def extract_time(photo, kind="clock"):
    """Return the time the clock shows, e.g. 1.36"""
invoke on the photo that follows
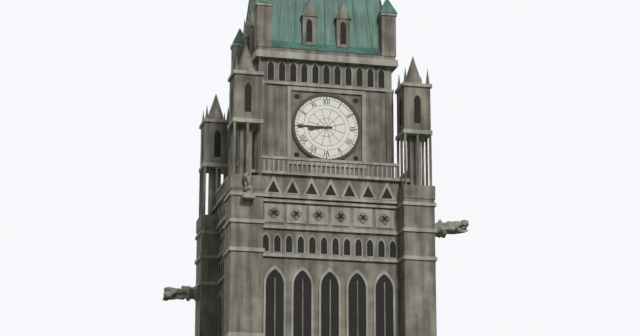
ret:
8.45
